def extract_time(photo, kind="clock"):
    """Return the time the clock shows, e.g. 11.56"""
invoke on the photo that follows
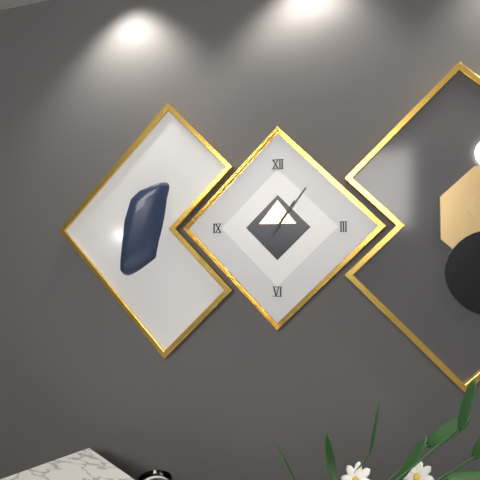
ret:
1.06
